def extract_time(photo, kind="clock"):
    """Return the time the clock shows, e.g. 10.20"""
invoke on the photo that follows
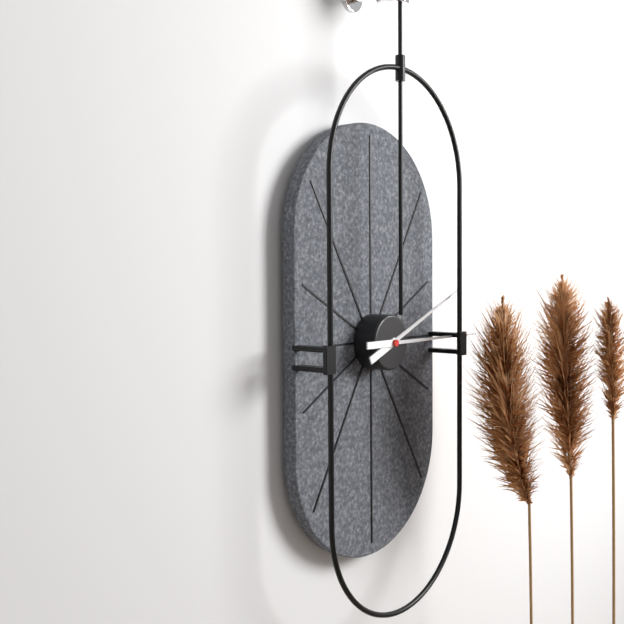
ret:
2.15
